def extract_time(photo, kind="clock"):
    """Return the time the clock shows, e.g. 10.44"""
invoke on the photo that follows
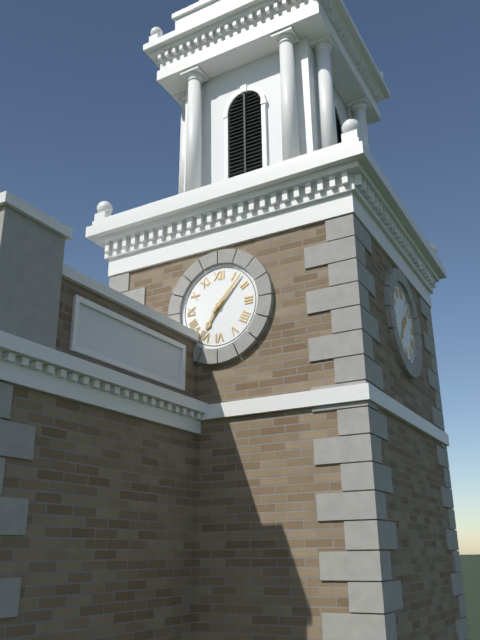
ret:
7.07
